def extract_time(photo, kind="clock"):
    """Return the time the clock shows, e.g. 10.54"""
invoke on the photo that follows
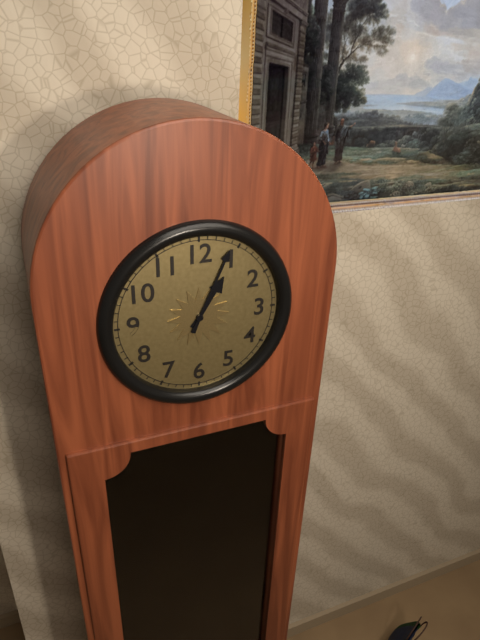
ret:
1.04
